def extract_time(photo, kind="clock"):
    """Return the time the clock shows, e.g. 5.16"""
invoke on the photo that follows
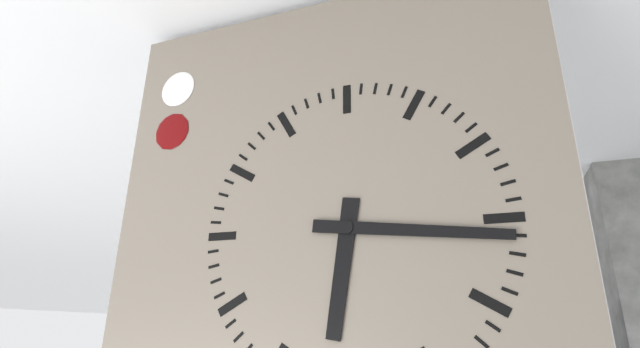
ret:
6.16
